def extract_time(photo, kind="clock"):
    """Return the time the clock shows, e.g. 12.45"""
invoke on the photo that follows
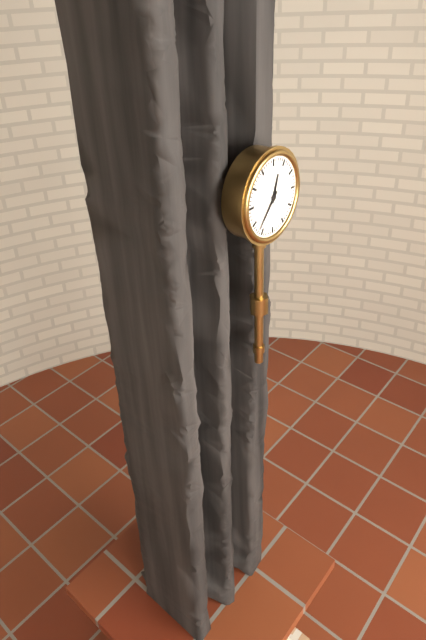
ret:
12.37
